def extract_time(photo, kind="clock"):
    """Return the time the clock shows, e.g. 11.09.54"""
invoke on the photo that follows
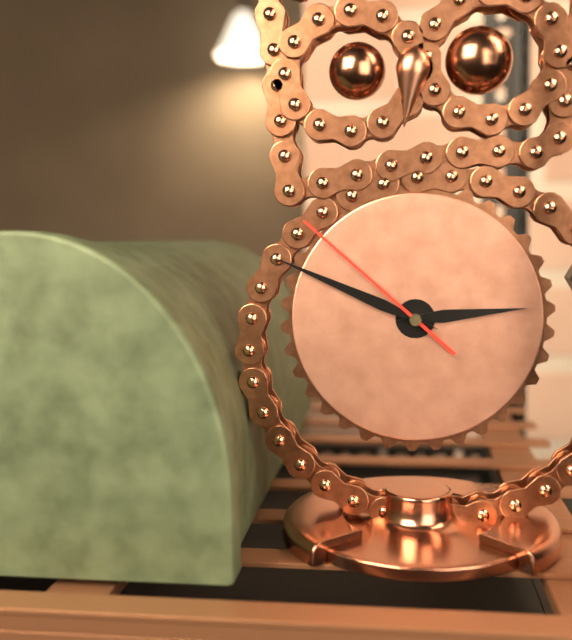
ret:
2.49.52
